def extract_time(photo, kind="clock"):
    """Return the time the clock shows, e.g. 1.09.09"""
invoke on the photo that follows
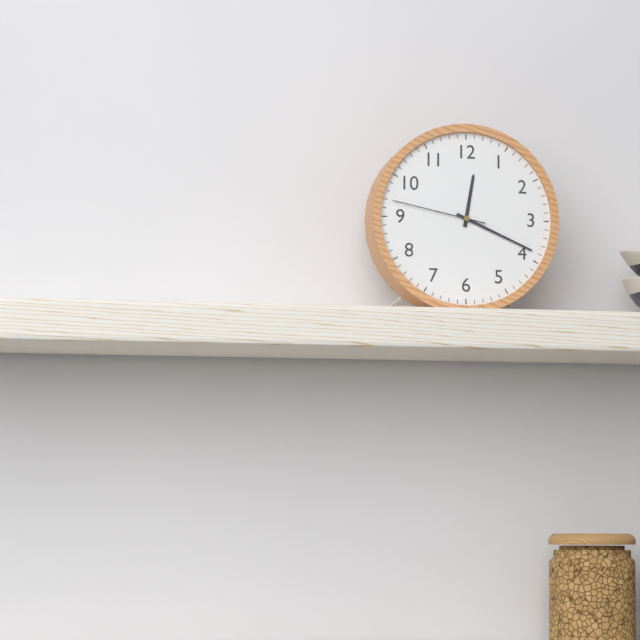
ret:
12.19.47
